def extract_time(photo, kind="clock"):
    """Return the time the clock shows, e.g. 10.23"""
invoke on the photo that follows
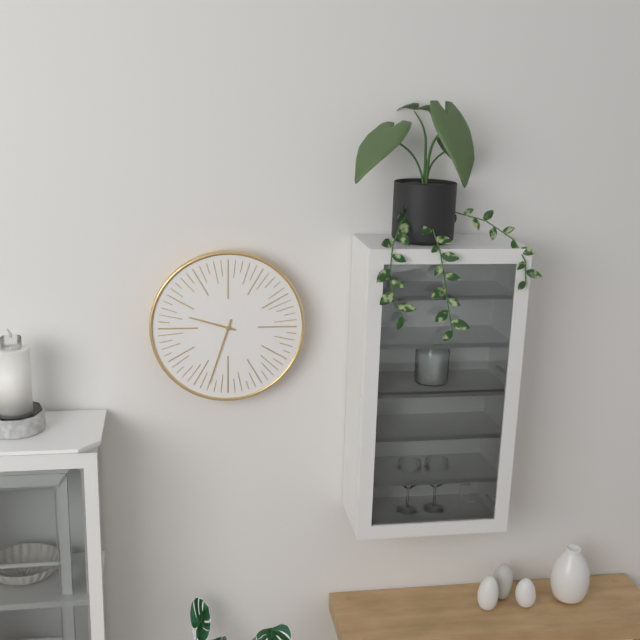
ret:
9.33
